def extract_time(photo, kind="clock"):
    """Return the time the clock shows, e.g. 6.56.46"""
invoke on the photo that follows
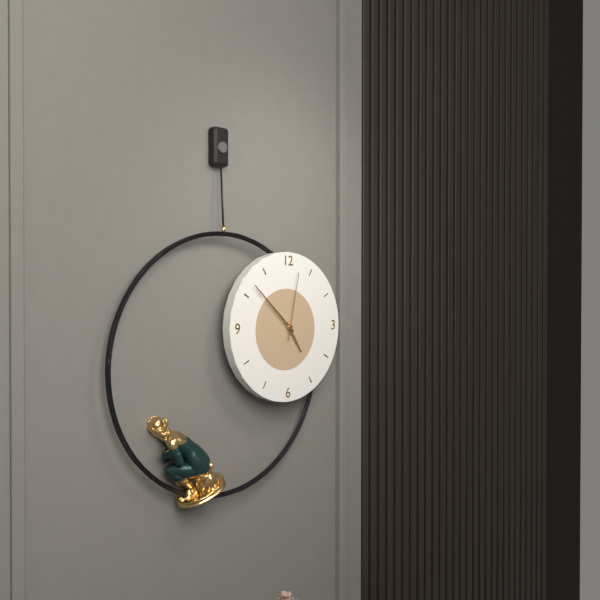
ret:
4.52.02
